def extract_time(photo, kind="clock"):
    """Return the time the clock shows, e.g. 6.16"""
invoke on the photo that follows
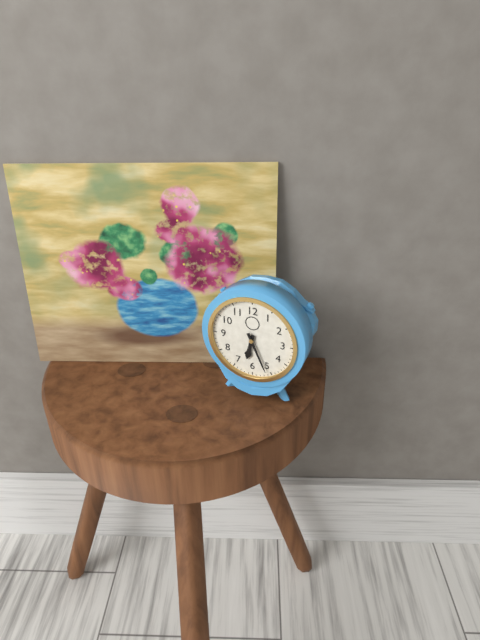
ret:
6.26
